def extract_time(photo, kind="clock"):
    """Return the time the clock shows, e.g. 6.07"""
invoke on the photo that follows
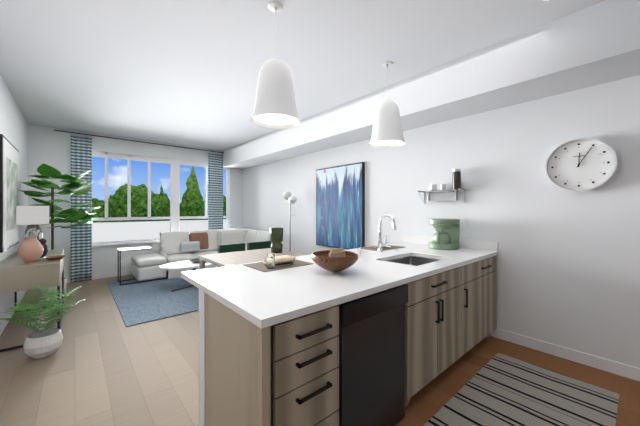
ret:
12.05
